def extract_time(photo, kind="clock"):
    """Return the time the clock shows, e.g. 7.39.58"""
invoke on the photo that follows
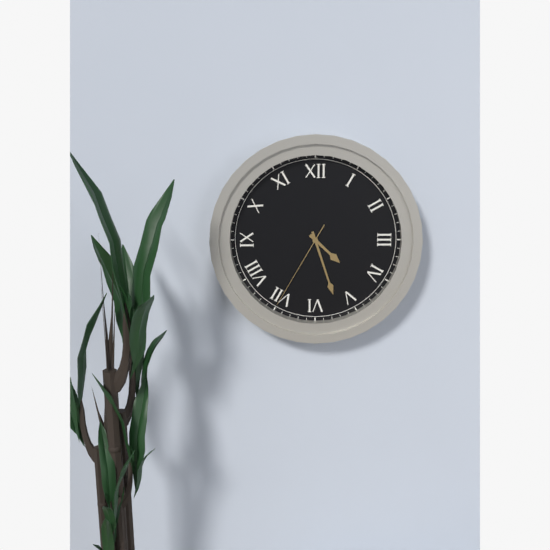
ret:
4.27.35
